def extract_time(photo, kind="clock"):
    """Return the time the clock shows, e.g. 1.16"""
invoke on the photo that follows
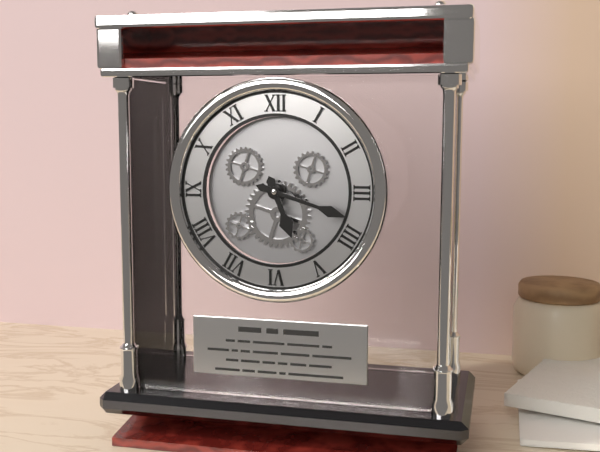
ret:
5.18
